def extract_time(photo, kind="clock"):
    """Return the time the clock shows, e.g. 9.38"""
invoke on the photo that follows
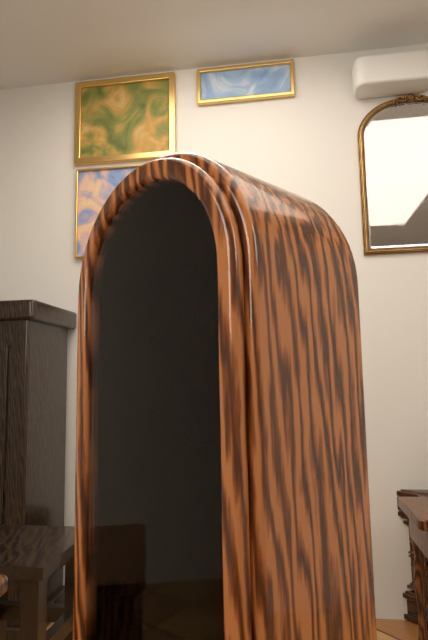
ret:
11.22
